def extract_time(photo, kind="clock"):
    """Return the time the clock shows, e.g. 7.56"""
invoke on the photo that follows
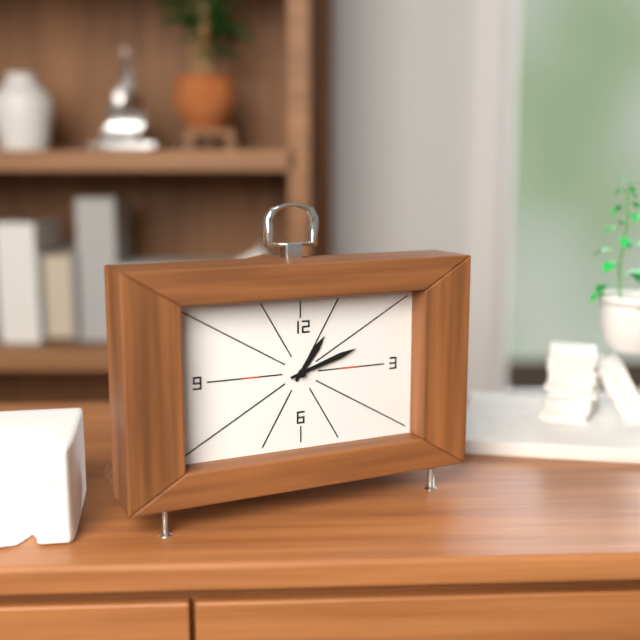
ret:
1.12
